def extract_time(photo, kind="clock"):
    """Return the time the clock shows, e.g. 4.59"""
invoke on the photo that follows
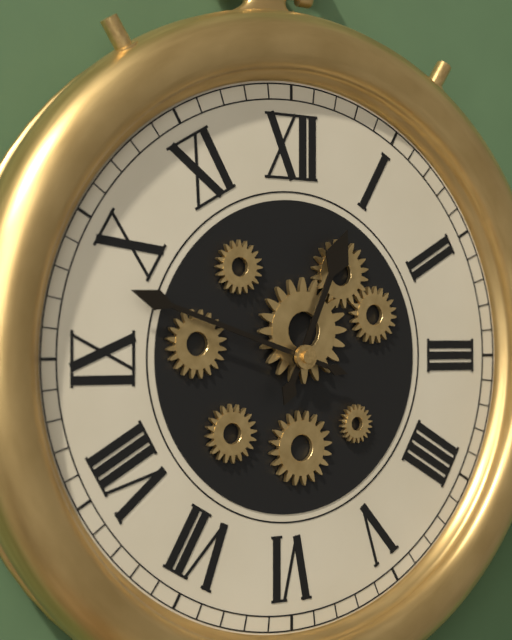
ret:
12.48
